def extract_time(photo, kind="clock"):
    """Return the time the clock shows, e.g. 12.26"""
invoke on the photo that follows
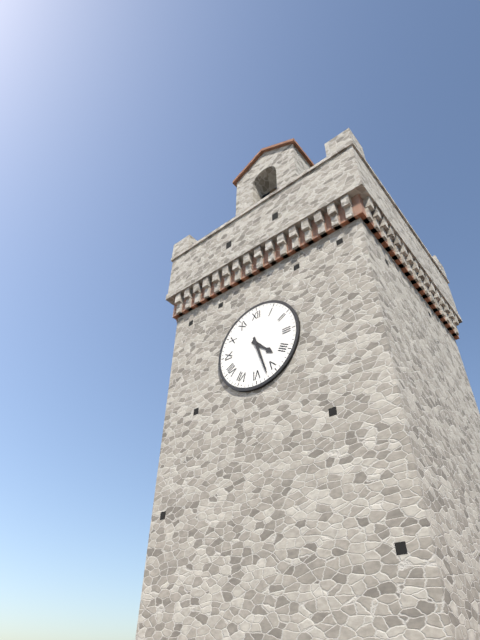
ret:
4.27
